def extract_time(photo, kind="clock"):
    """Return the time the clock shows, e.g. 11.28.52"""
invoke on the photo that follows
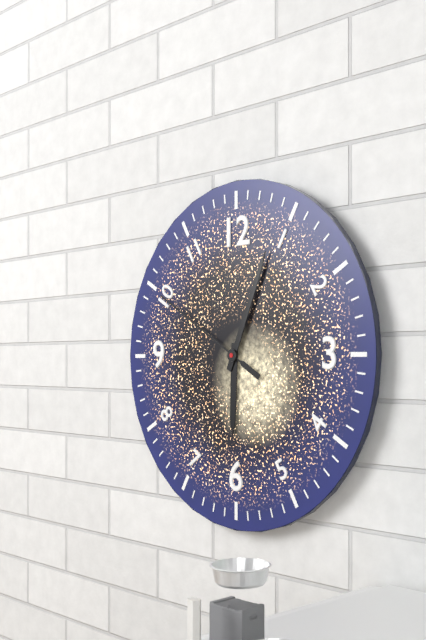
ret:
6.04.50
